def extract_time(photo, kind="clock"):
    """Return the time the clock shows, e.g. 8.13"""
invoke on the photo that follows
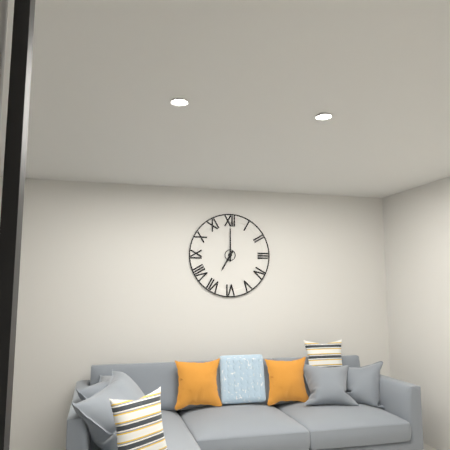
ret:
7.00
